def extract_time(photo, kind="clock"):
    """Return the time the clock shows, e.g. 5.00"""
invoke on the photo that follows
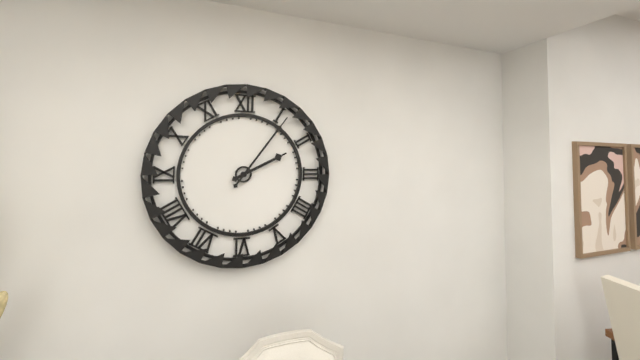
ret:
2.06
